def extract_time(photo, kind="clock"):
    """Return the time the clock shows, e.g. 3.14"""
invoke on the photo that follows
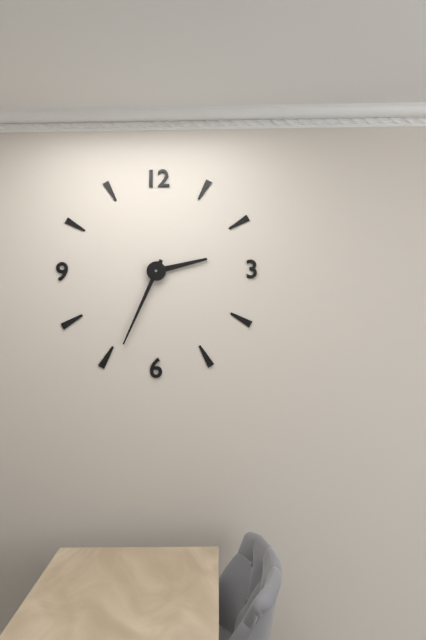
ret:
2.34
